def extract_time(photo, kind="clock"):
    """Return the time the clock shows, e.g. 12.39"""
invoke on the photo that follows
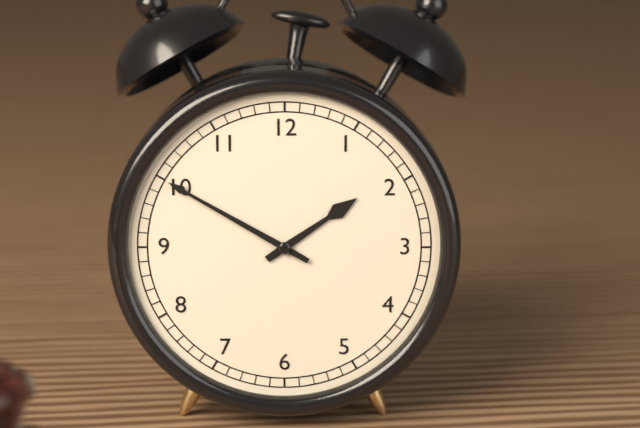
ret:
1.50
